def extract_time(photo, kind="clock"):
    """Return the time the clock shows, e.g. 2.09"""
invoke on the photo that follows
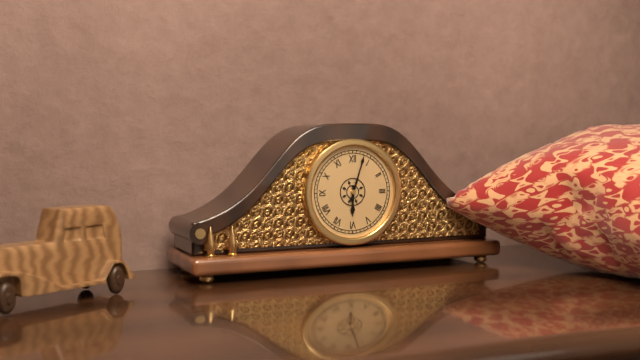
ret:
6.03
